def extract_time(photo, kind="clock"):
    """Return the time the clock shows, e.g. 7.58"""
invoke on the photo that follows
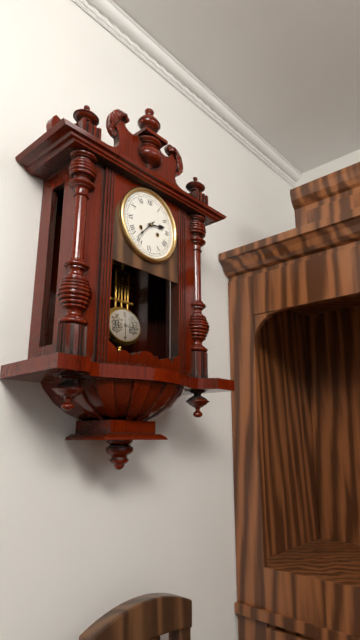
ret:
2.37
